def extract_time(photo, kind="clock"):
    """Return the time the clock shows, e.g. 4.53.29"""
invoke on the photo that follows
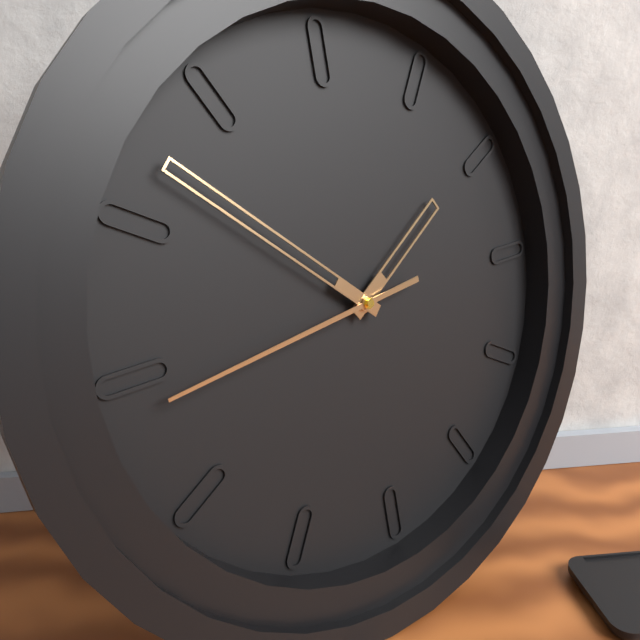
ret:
1.52.44
